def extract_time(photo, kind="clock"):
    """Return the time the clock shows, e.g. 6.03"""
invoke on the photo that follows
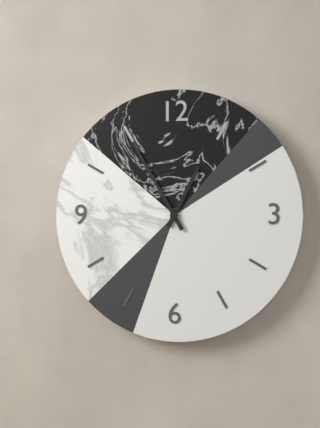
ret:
12.55
